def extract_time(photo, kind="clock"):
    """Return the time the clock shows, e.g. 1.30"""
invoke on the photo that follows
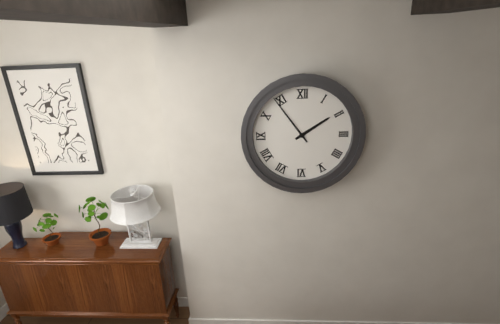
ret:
1.54
